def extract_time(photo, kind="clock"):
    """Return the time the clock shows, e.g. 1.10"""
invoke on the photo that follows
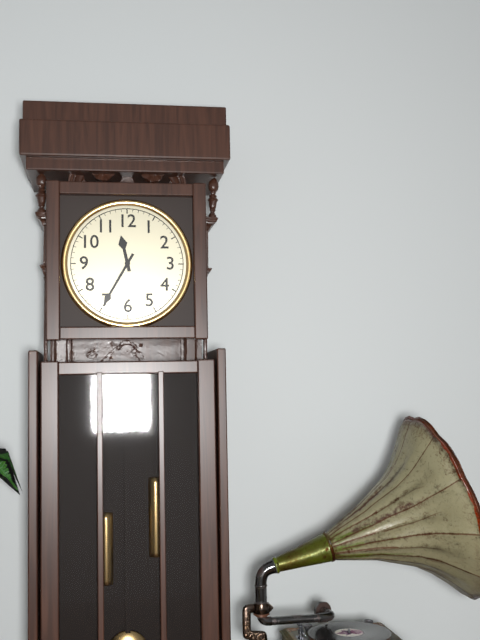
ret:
11.35
